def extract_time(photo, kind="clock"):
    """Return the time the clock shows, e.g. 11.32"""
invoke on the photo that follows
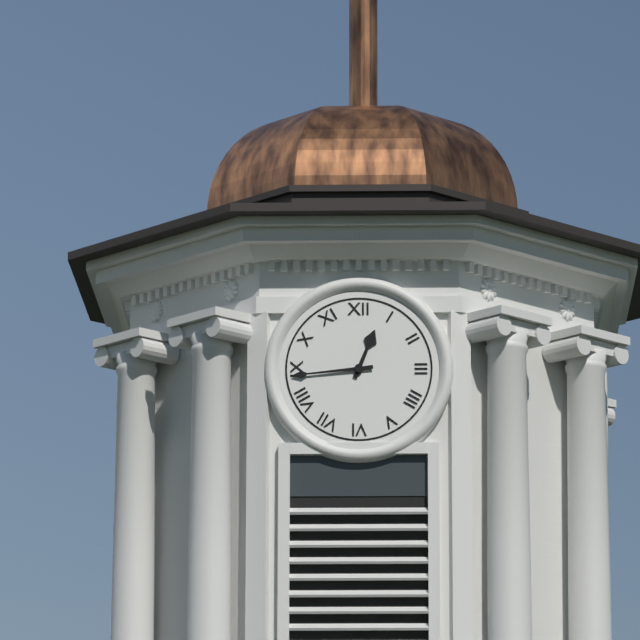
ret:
12.44
